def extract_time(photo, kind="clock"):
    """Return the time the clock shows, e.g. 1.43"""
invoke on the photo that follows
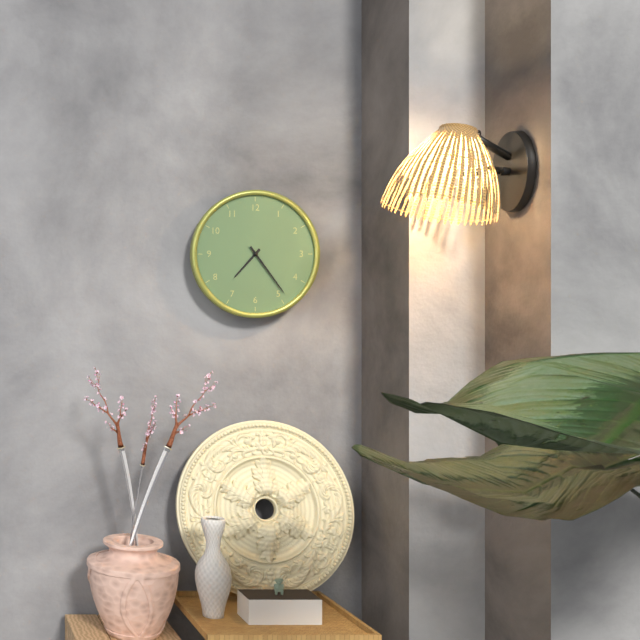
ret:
7.24
